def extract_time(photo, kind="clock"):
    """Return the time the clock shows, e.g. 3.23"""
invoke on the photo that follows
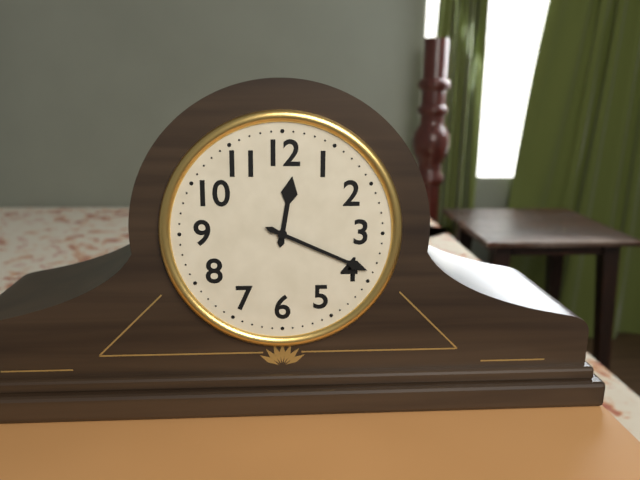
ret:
12.19
